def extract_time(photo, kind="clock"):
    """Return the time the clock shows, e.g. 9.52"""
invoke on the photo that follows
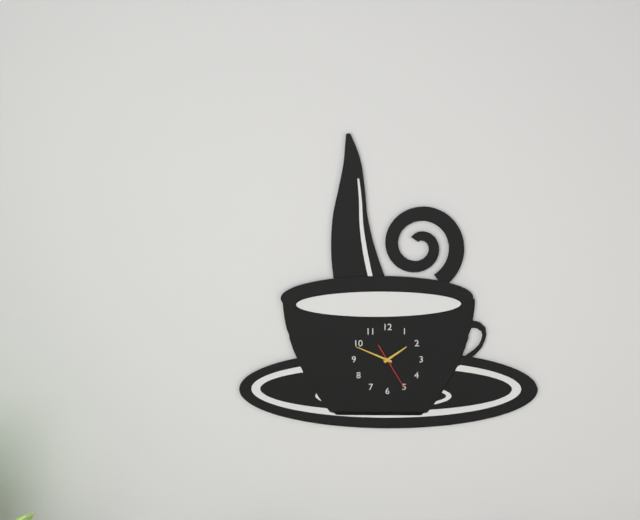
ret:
1.49
